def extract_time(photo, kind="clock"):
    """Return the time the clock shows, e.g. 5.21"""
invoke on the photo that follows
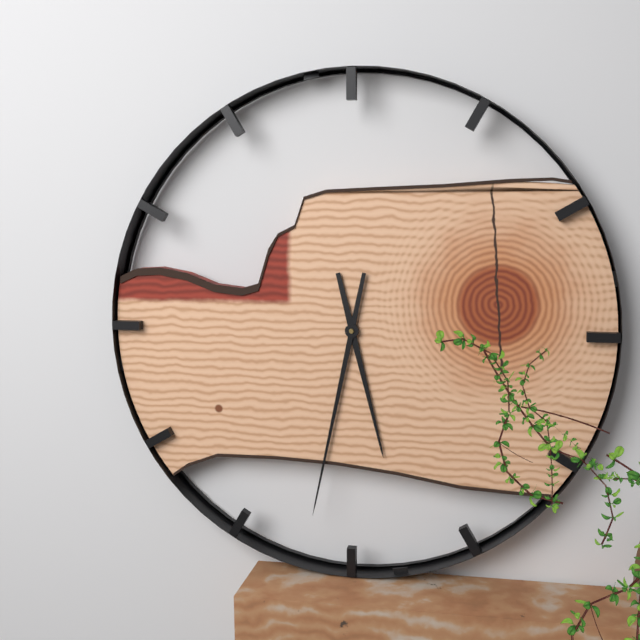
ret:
5.32
